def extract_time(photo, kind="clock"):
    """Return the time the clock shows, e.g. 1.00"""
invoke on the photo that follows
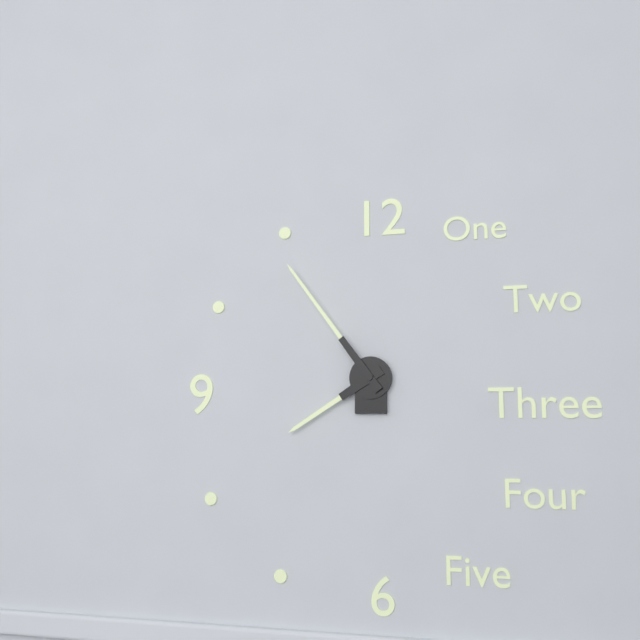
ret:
7.54
